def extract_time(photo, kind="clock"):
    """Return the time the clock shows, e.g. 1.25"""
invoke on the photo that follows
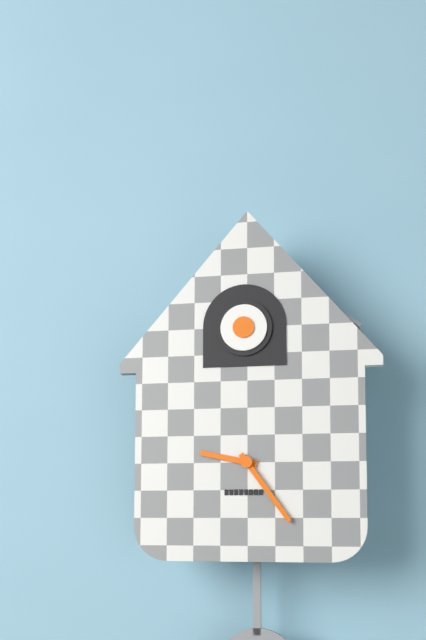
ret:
9.24
